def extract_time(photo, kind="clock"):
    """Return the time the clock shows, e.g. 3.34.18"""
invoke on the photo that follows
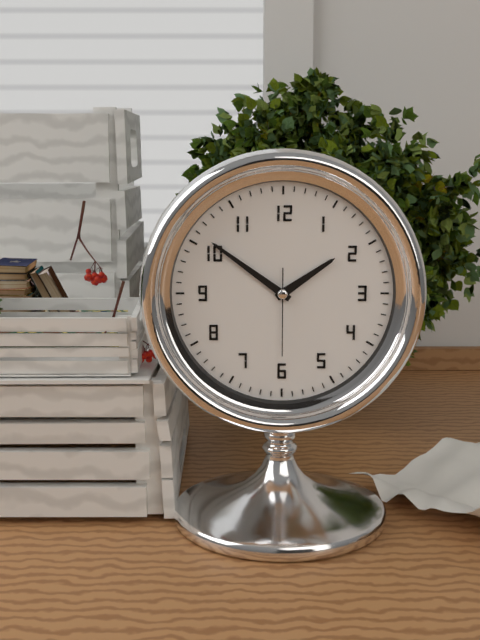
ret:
1.51.30
